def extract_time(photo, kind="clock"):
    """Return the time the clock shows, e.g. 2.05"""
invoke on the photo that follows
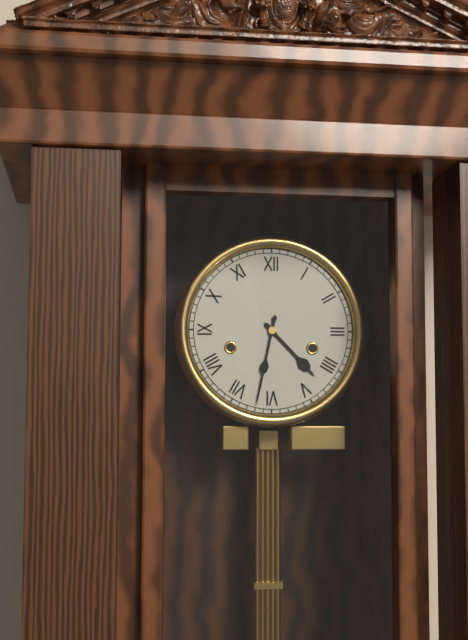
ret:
4.32
